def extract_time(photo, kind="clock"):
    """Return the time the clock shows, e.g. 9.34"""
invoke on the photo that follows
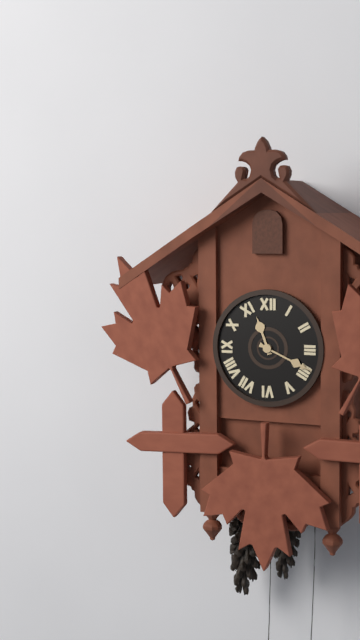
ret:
11.19
